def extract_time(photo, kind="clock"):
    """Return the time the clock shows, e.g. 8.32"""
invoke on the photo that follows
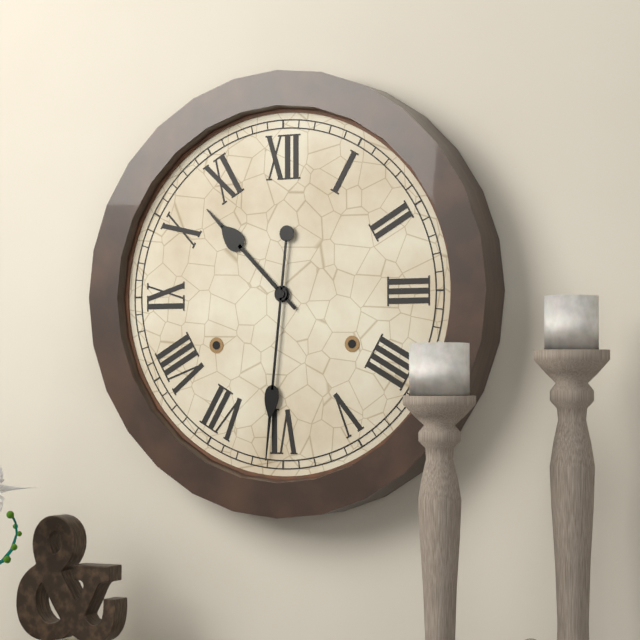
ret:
10.31
